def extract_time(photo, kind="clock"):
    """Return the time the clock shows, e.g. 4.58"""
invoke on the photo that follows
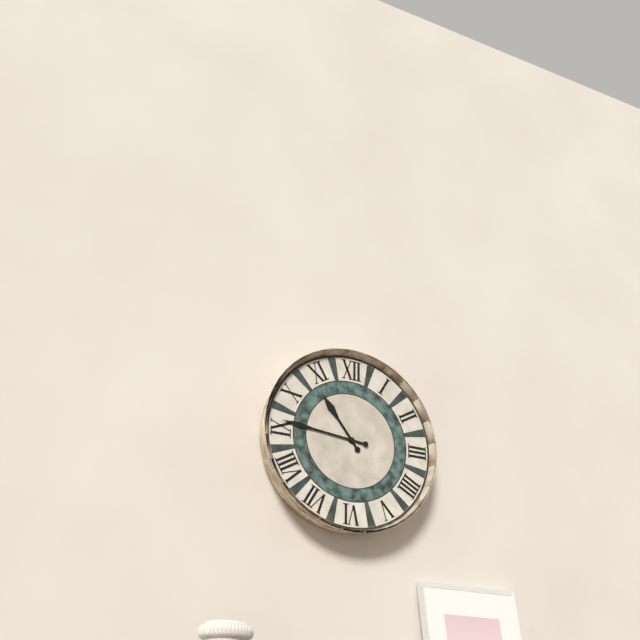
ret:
10.46
